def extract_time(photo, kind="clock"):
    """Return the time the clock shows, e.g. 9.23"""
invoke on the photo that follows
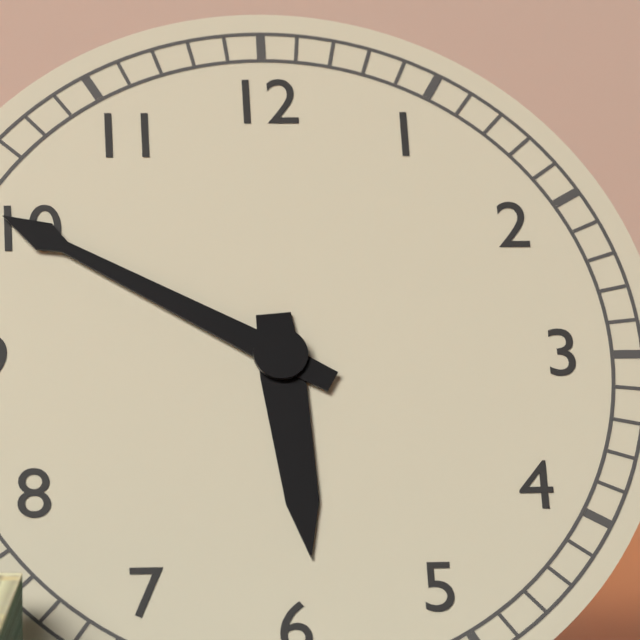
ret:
5.50
